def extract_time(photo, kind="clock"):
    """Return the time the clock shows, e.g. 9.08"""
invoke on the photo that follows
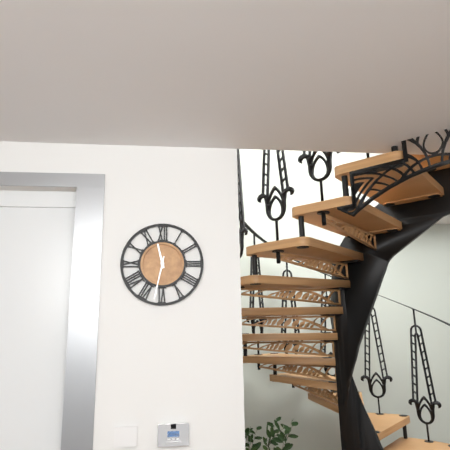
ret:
11.32
